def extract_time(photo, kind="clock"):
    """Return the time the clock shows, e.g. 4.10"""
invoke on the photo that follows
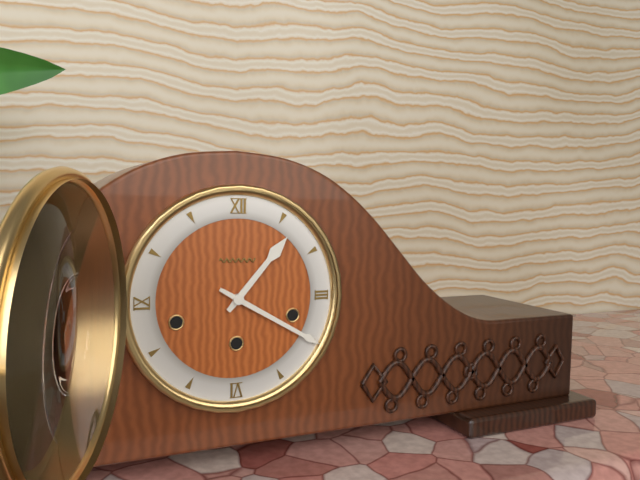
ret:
1.20
